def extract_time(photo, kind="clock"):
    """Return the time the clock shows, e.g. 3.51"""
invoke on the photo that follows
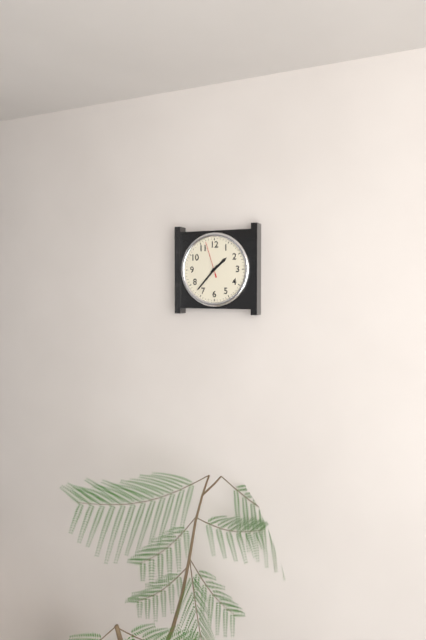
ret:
1.37
